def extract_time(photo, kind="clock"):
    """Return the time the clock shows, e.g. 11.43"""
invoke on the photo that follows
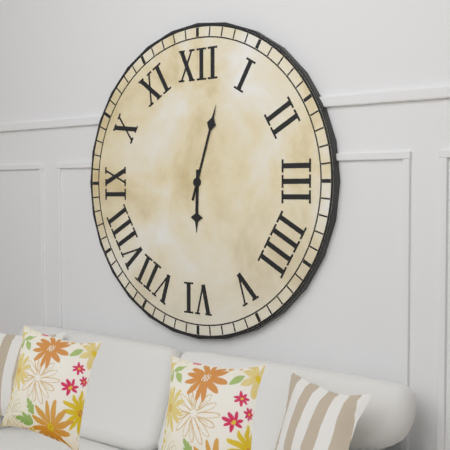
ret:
6.03
